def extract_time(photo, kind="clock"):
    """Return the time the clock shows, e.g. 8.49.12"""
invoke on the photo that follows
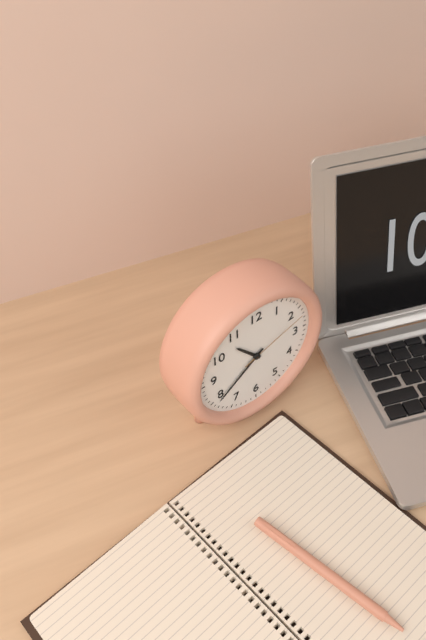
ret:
10.39.12
